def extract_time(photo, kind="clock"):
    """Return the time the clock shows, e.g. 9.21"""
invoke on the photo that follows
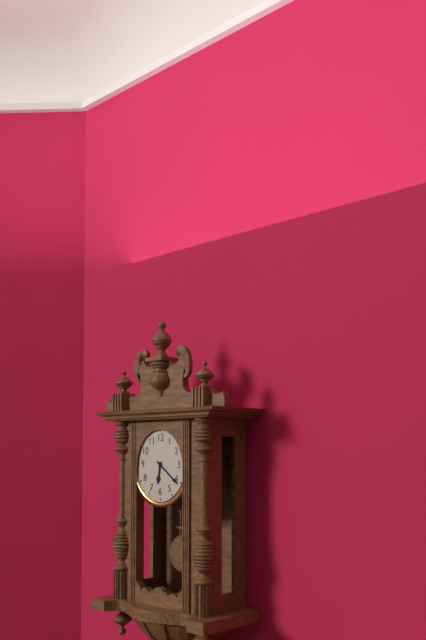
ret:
6.21
